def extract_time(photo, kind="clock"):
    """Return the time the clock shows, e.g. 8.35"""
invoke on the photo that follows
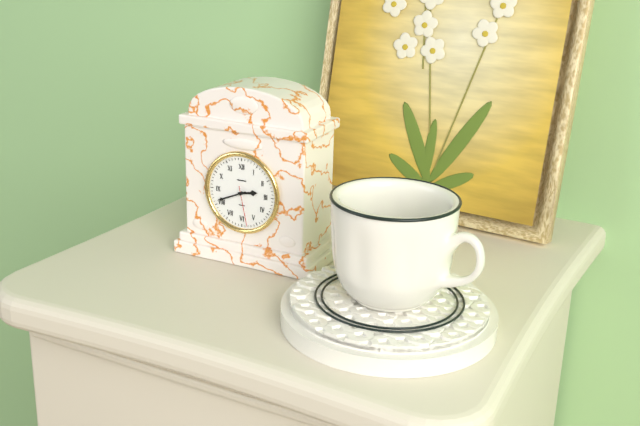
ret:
2.41
